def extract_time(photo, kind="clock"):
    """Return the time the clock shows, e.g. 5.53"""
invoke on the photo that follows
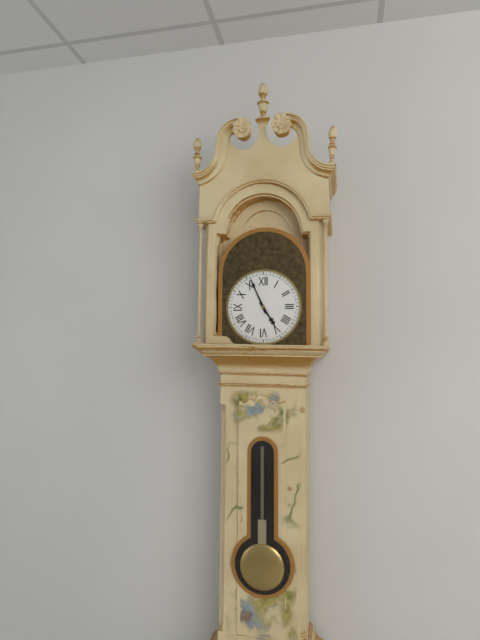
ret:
4.56
